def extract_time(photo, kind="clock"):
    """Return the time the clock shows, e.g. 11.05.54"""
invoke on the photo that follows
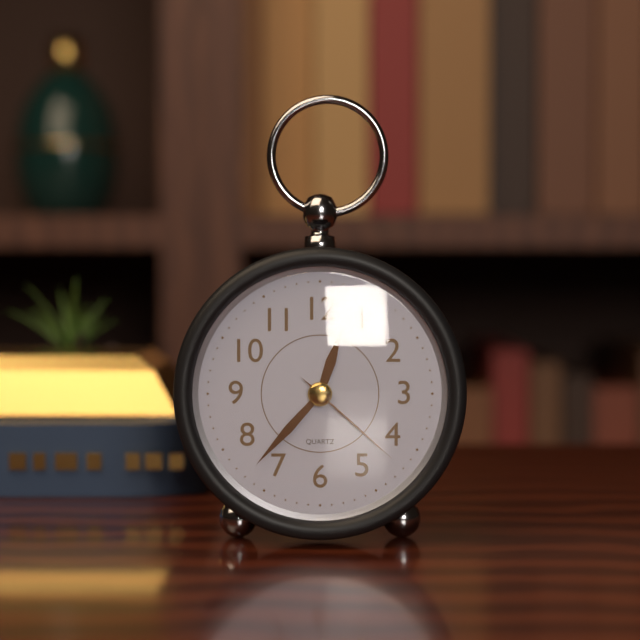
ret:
12.37.22
